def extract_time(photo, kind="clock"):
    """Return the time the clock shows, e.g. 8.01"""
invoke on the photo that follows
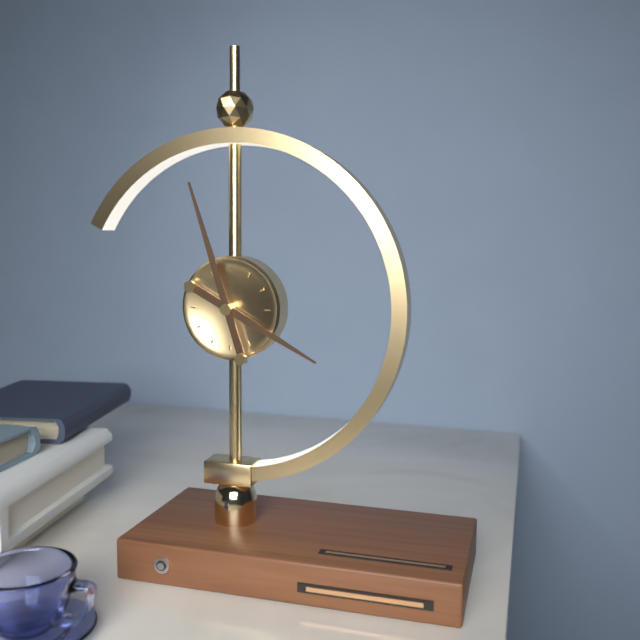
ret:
3.57
